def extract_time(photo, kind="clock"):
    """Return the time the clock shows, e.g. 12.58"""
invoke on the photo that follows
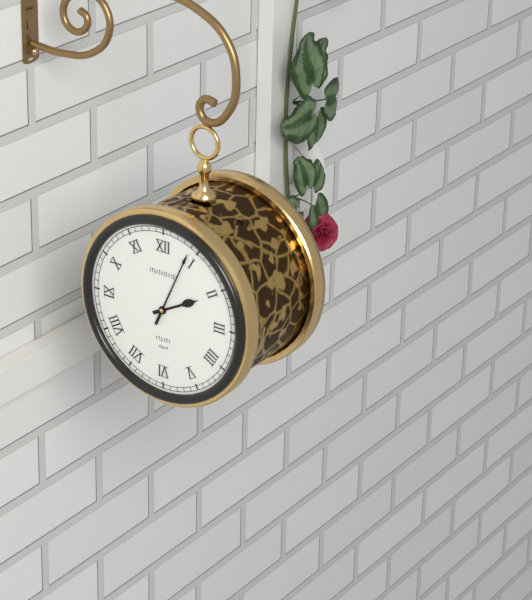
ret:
2.04
